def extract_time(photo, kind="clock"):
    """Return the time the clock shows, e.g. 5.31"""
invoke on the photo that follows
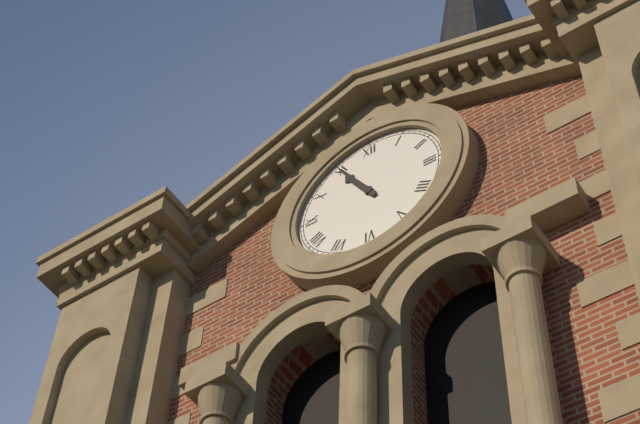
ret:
10.55
